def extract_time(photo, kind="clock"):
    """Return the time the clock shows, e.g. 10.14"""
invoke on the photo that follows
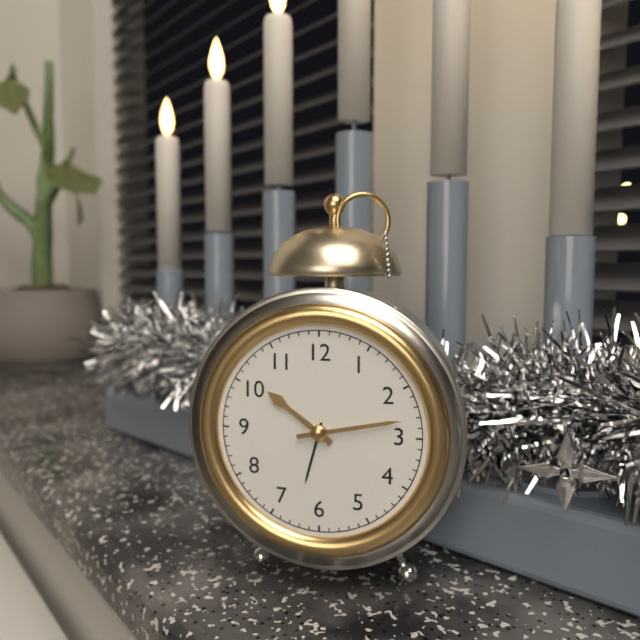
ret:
10.13
